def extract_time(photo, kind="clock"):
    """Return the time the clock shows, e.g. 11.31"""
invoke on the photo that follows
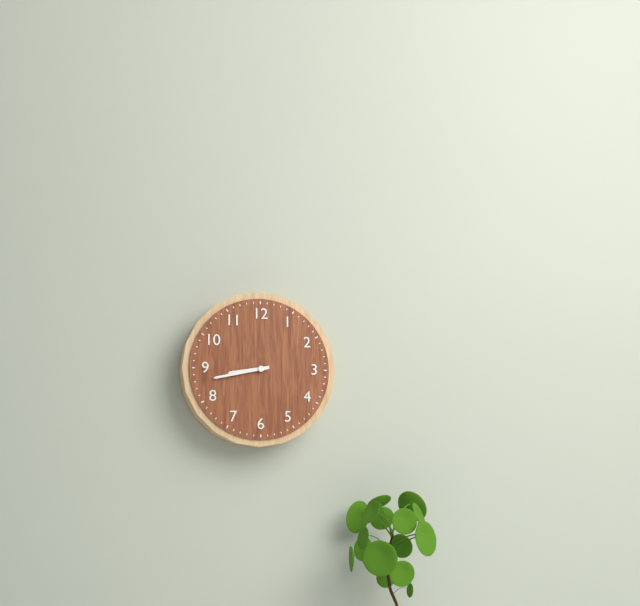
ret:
8.43
